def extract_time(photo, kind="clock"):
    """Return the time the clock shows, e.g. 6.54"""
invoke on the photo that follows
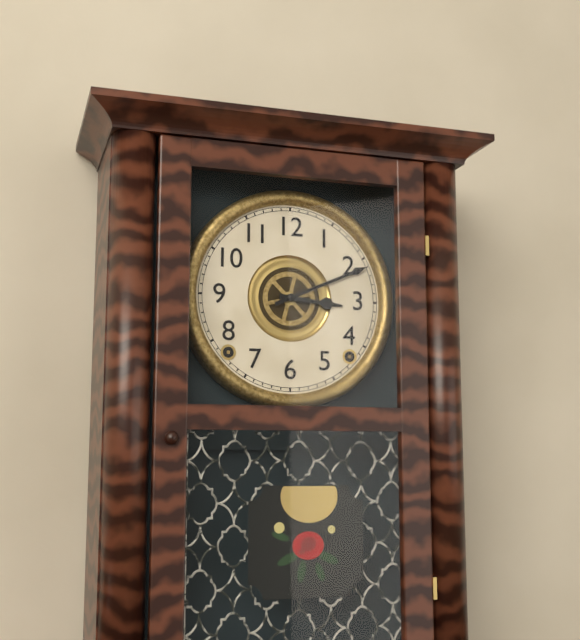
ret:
3.11
